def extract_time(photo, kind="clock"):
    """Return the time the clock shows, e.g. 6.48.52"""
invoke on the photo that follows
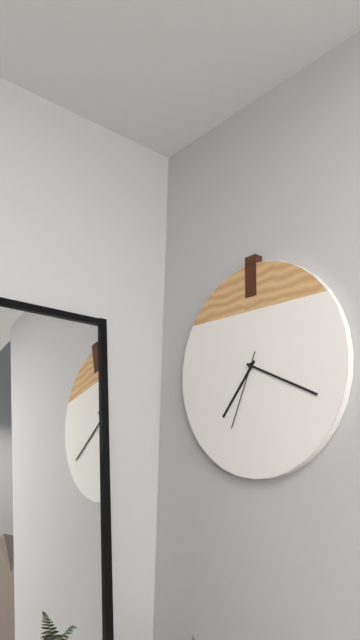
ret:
7.19.34
